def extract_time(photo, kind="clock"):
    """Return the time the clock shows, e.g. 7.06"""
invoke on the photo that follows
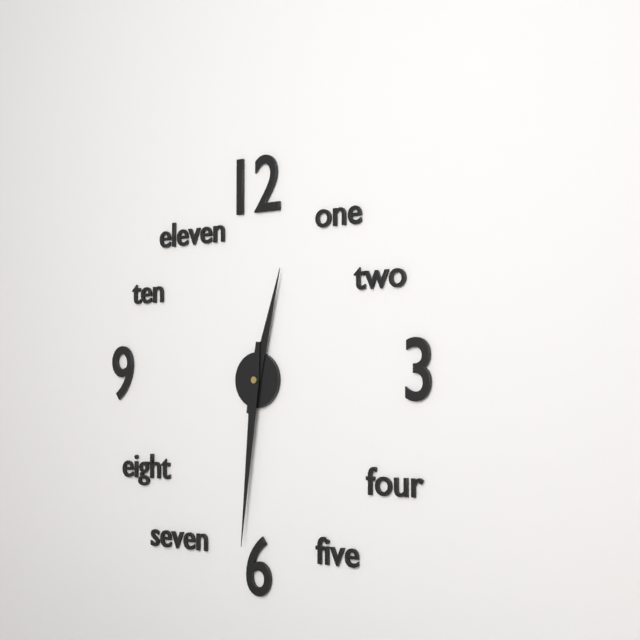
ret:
12.31
